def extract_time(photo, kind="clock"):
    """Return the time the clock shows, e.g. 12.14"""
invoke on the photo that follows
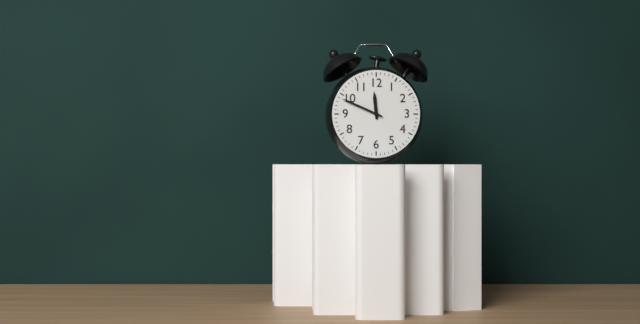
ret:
11.49
